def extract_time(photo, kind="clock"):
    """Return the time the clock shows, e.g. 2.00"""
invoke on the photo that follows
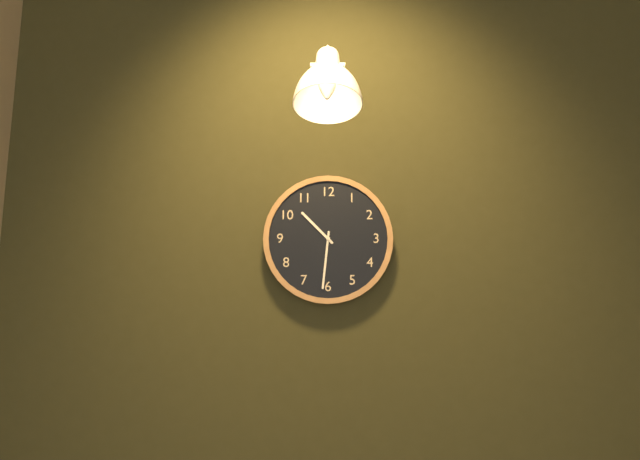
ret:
10.31
